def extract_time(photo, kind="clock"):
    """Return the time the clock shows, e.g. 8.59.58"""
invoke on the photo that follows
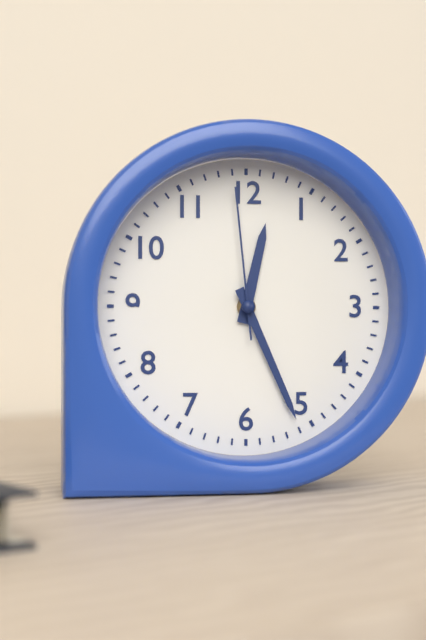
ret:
12.26.59
